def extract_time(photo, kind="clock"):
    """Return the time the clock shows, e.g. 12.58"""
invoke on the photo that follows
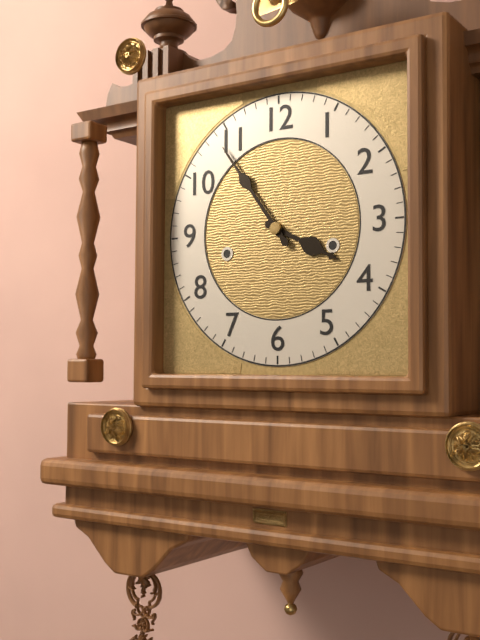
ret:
3.54
